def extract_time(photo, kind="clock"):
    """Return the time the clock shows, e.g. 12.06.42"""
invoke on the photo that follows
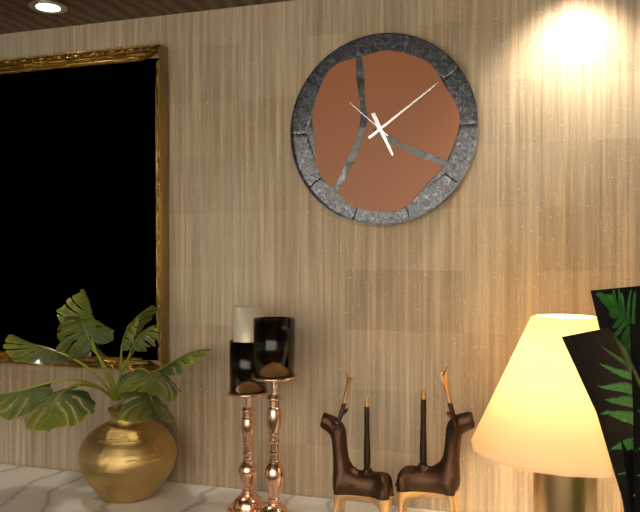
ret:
5.09.52
